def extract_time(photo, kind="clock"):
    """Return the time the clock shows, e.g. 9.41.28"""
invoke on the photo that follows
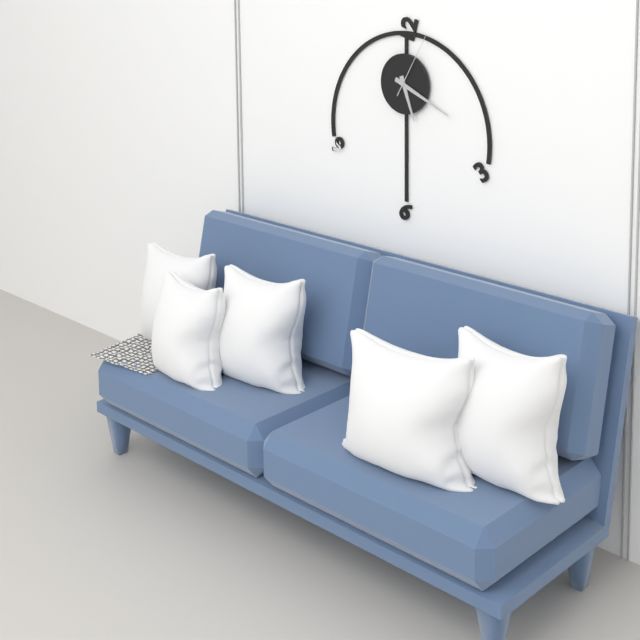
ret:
5.19.05
